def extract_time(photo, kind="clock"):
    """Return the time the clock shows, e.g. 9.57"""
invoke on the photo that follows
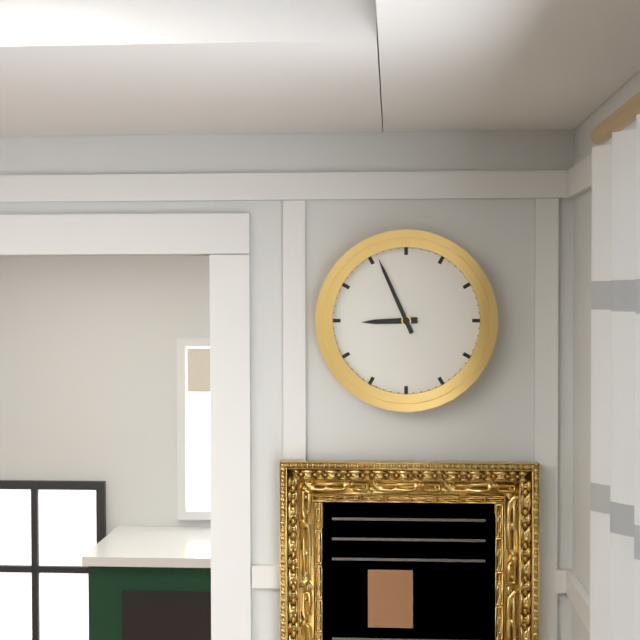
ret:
8.56
